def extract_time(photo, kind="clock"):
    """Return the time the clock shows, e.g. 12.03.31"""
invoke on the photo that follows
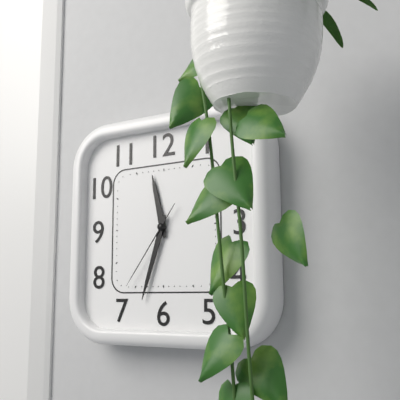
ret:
11.33.36
